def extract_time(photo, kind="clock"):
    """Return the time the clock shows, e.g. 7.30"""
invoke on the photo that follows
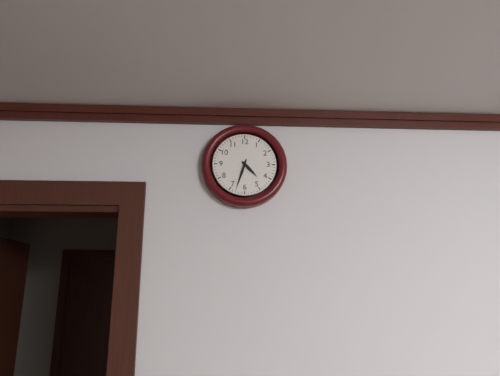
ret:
4.33
